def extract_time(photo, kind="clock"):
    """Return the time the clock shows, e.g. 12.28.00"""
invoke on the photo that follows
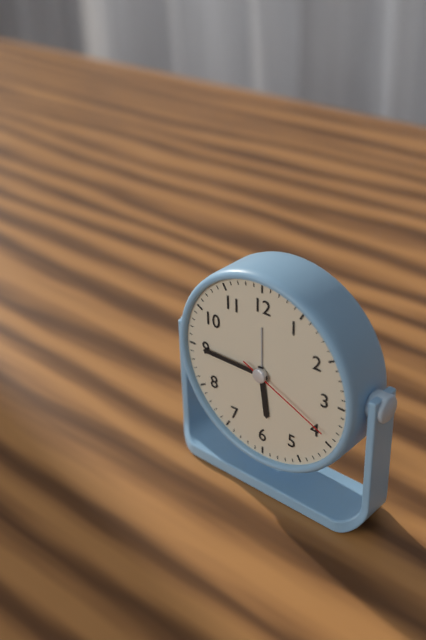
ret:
5.45.19
